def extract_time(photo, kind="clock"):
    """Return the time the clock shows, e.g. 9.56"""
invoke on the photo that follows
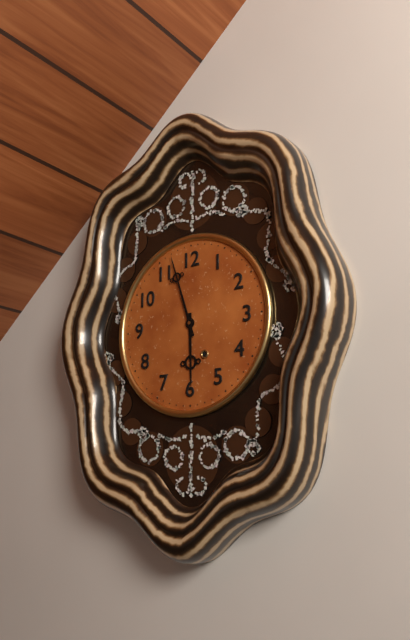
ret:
5.57
